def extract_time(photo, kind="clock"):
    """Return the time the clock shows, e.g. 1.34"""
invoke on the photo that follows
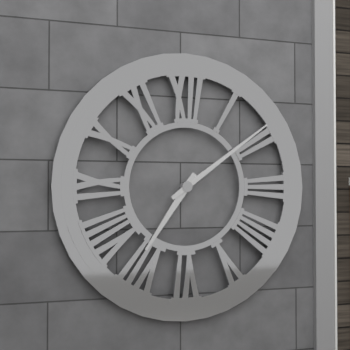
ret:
7.09
